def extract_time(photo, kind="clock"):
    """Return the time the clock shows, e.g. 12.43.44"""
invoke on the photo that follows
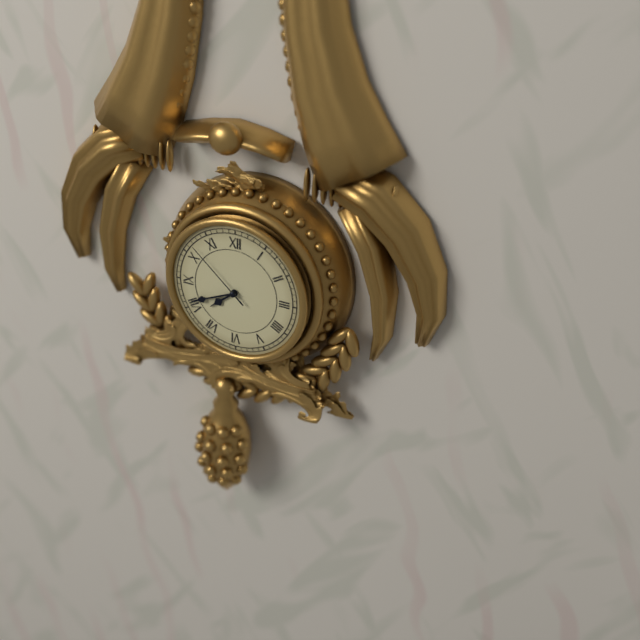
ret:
7.41.52
